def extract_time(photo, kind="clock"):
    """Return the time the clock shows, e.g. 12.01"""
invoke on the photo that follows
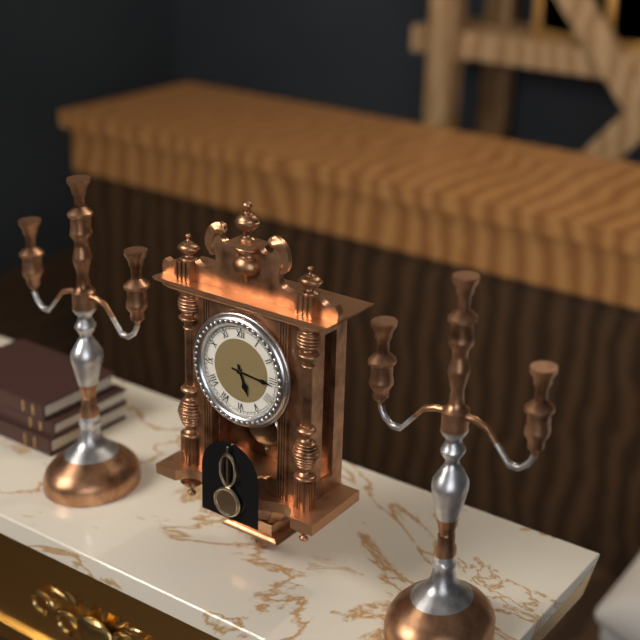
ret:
5.16
